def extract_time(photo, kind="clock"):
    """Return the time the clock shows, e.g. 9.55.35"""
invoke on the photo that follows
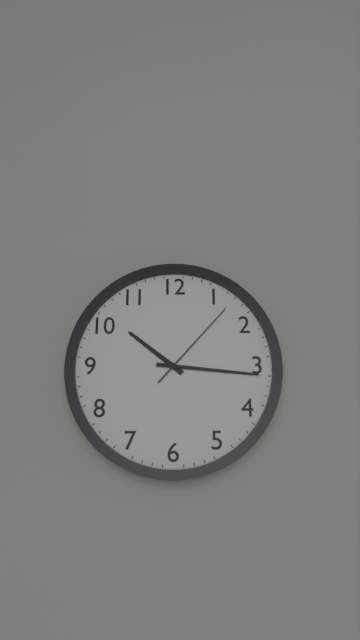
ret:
10.16.07
